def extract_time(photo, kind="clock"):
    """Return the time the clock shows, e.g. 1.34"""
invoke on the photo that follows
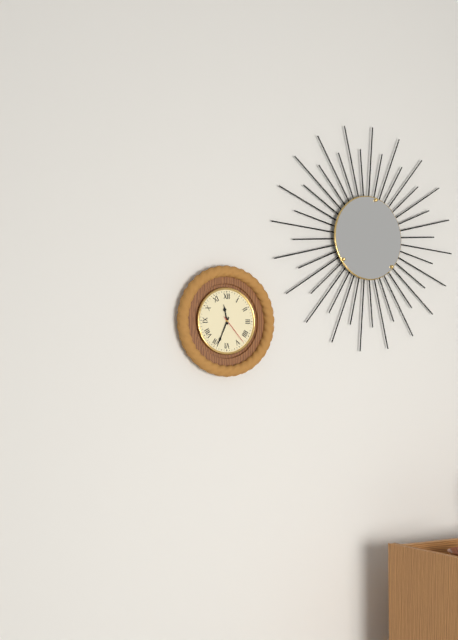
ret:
11.34
